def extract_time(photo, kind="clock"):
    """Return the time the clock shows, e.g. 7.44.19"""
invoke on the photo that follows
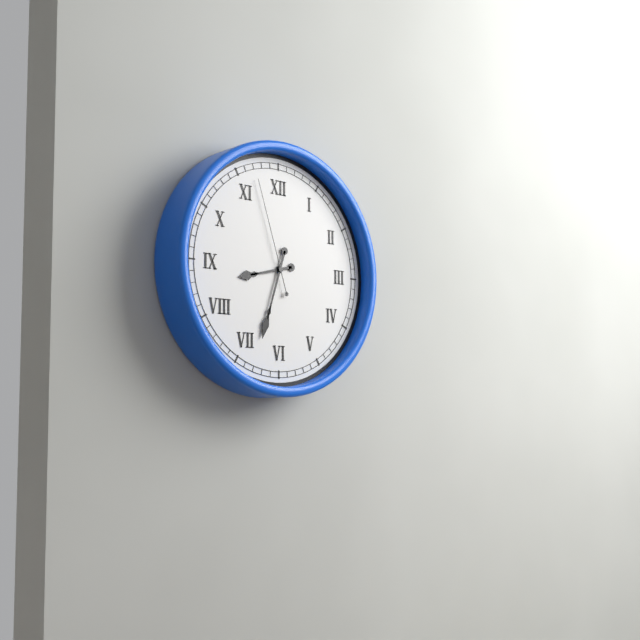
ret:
8.33.57
